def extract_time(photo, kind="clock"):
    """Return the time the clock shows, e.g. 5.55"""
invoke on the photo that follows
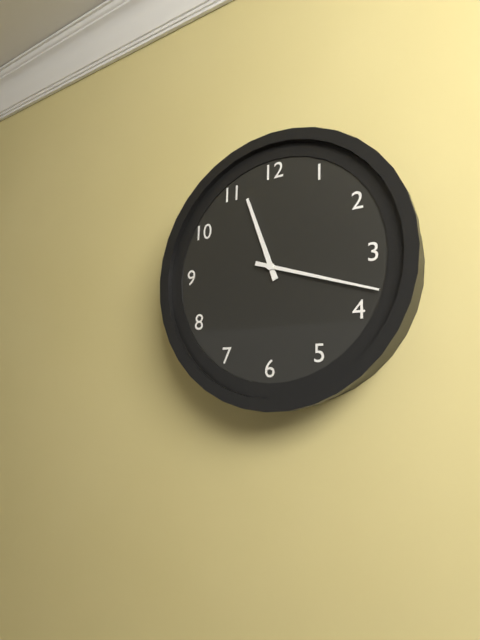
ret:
11.18
